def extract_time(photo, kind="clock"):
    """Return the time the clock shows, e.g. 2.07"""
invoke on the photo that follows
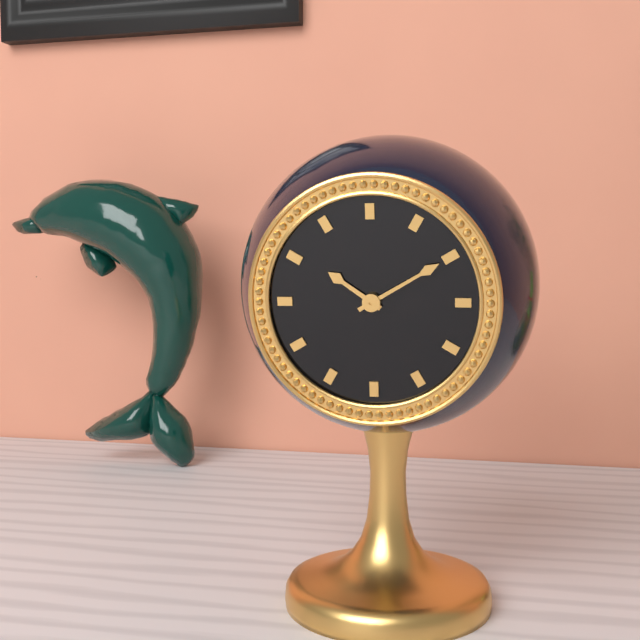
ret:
10.10
